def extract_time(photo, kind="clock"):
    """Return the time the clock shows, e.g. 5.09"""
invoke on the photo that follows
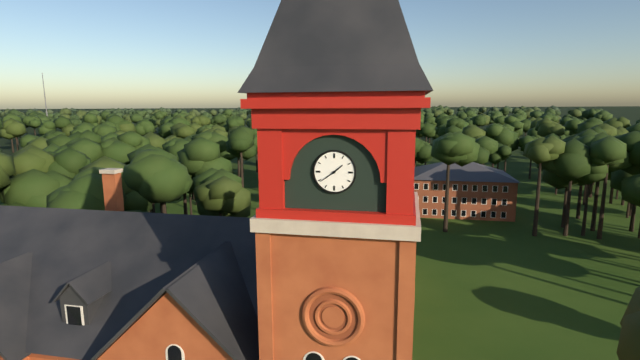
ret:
1.39
